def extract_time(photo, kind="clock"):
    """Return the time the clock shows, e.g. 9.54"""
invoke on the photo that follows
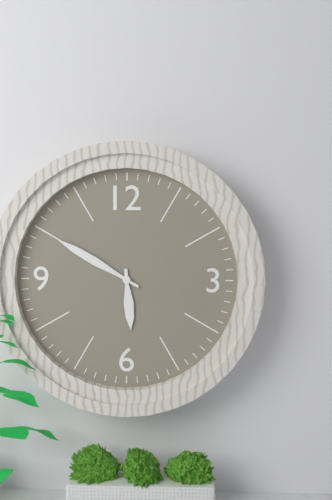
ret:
5.50
